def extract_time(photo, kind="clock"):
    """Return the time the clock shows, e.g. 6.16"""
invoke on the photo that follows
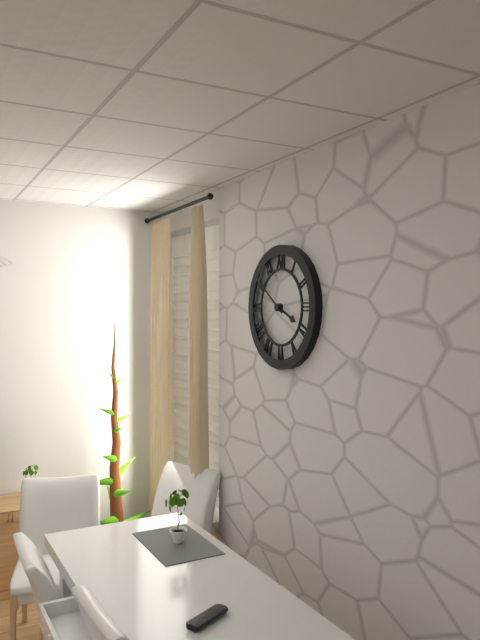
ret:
3.51
